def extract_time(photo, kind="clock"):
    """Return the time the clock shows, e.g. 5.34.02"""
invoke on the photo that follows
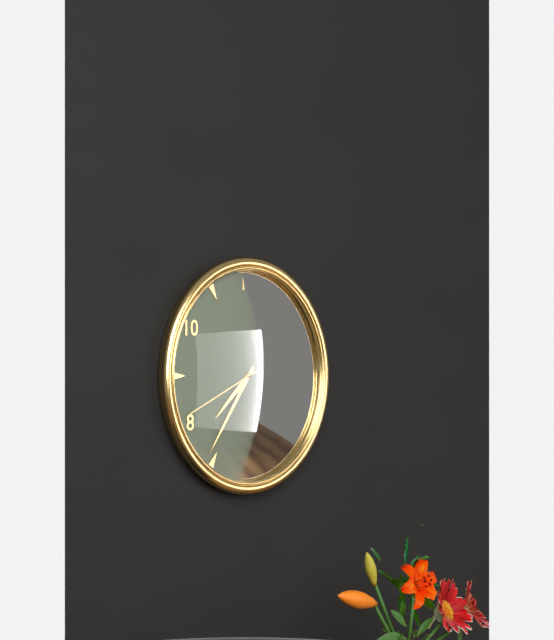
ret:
7.36.41
